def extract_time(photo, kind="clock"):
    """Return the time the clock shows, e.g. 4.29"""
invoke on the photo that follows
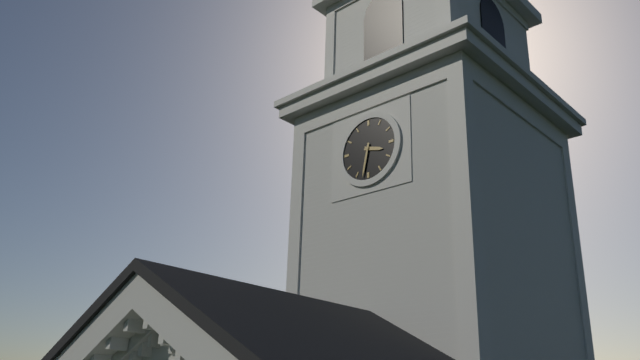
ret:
3.32
